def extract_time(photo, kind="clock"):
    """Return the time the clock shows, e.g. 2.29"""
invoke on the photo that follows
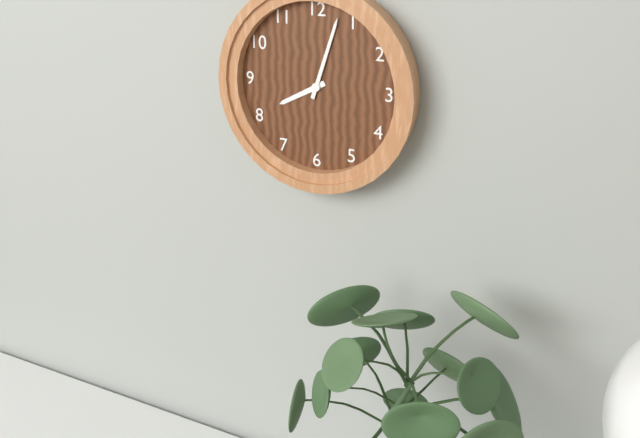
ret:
8.03
